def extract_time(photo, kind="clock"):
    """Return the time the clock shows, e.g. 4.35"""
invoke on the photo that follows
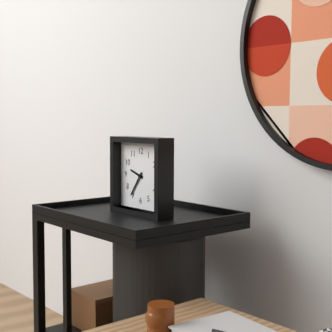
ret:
9.36
